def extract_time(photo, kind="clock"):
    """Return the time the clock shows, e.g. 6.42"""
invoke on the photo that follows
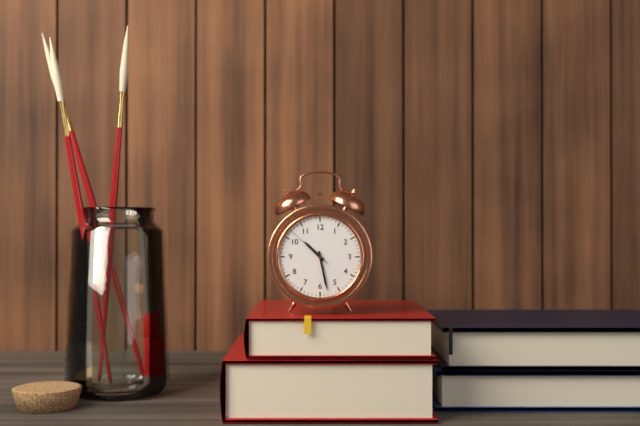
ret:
10.28
